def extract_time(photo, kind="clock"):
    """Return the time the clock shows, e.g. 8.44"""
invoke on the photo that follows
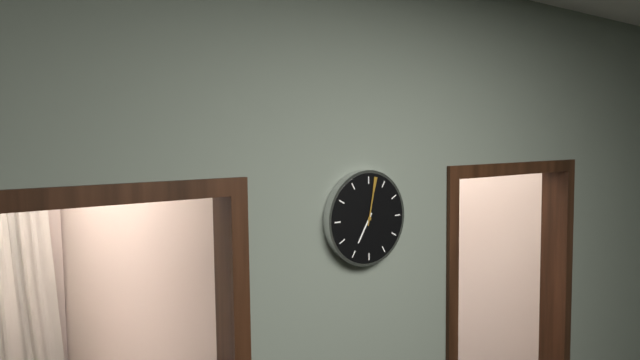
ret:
7.02
